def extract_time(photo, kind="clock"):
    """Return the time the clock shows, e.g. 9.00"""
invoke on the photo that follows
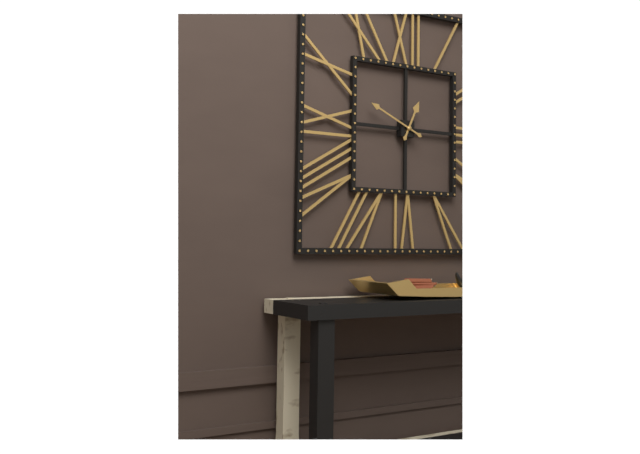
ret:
12.49
